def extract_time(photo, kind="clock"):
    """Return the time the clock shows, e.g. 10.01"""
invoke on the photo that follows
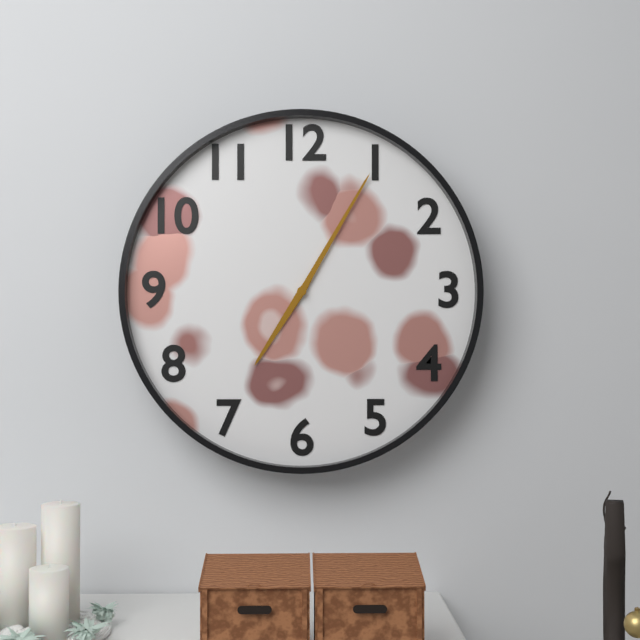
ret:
7.05
